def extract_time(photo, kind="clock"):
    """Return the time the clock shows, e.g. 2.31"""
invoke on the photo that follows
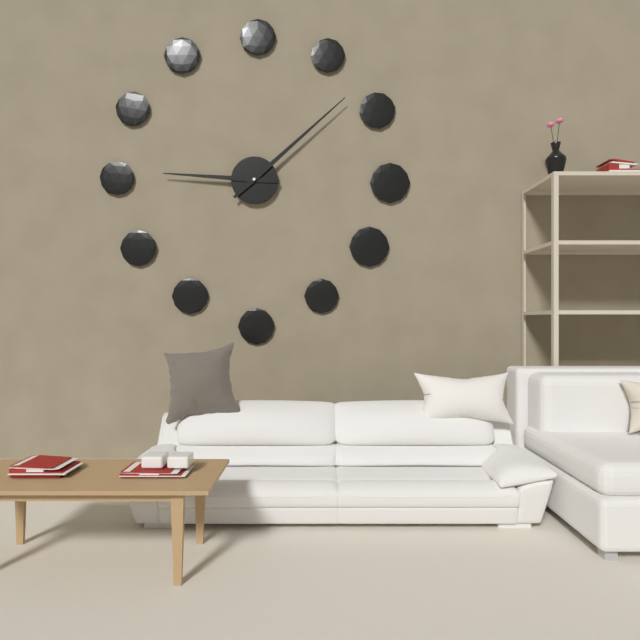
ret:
9.08
